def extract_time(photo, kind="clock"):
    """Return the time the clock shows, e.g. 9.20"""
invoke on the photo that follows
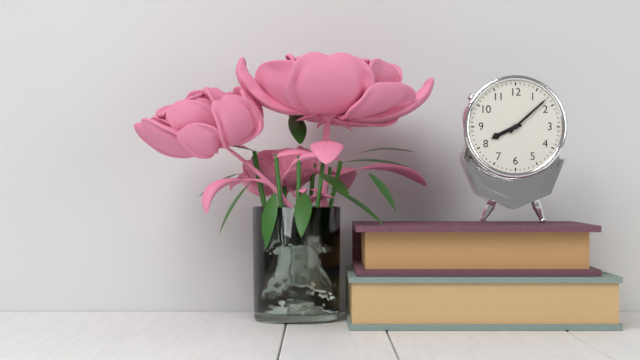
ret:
8.08
